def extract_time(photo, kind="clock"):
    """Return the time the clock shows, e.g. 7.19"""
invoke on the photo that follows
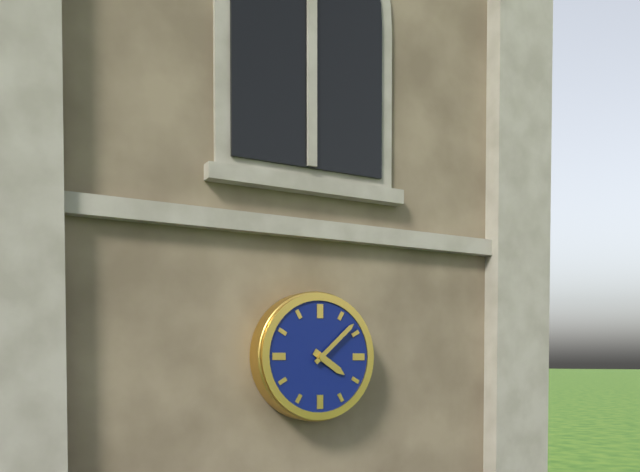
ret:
4.08
